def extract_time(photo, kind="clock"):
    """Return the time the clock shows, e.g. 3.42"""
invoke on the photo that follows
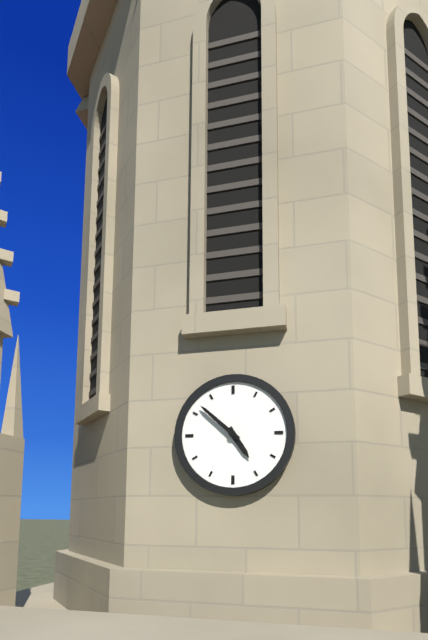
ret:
4.52
